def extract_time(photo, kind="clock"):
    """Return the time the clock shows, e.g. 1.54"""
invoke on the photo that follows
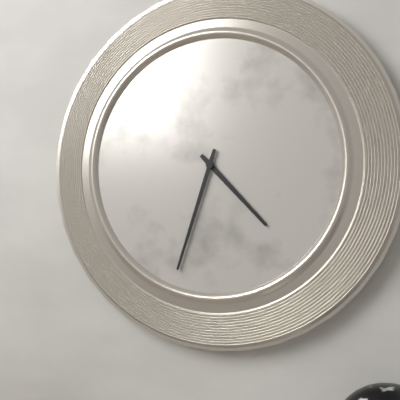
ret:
4.33
